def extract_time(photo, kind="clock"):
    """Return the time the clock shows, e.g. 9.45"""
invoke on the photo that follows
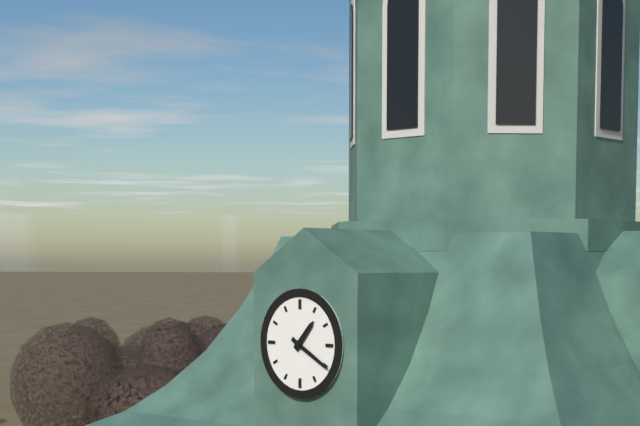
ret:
1.20
